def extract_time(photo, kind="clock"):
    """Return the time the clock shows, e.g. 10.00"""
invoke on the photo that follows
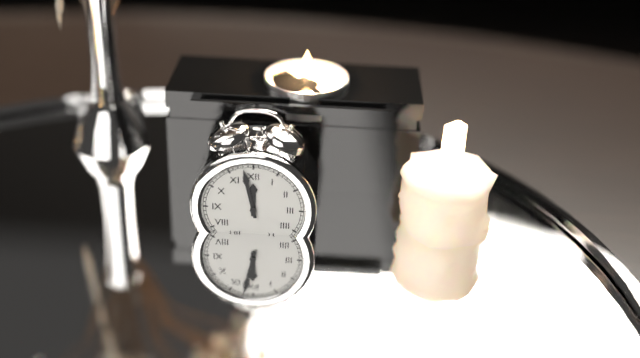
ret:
11.58
